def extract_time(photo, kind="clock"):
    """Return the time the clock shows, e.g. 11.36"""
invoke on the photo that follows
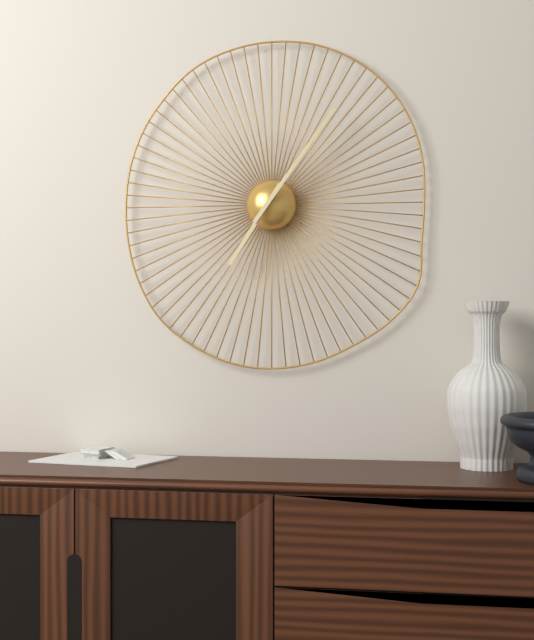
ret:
7.06
